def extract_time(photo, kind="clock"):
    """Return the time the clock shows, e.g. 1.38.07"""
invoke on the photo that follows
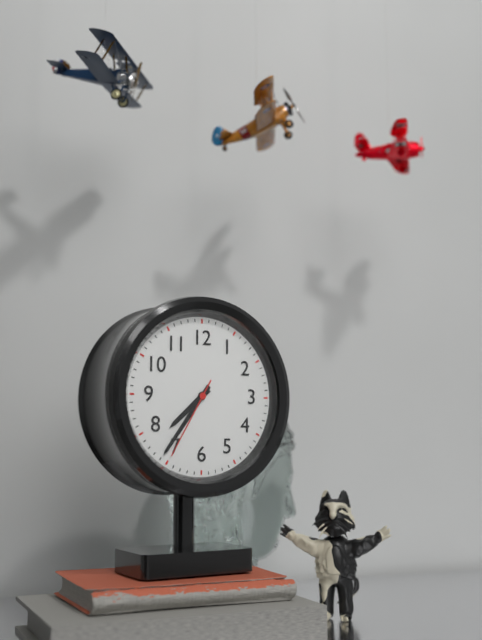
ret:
7.36.35
